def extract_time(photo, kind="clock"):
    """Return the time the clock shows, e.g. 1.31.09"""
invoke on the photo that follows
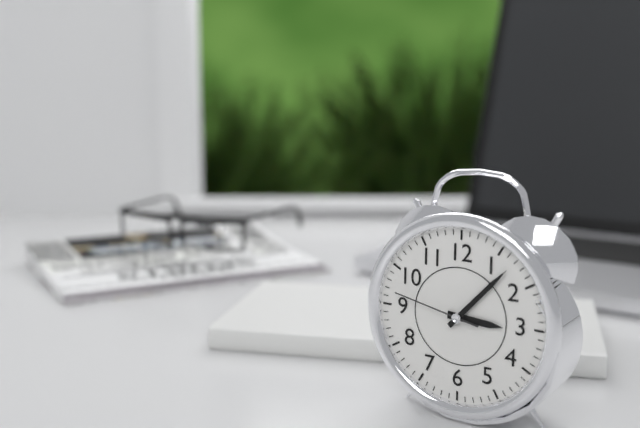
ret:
3.07.47
